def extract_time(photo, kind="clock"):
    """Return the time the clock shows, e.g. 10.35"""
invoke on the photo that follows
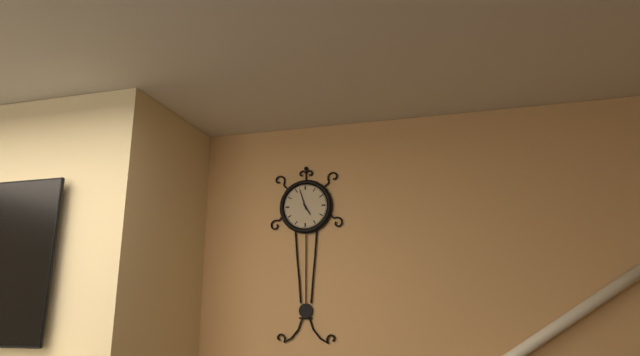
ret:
4.57
